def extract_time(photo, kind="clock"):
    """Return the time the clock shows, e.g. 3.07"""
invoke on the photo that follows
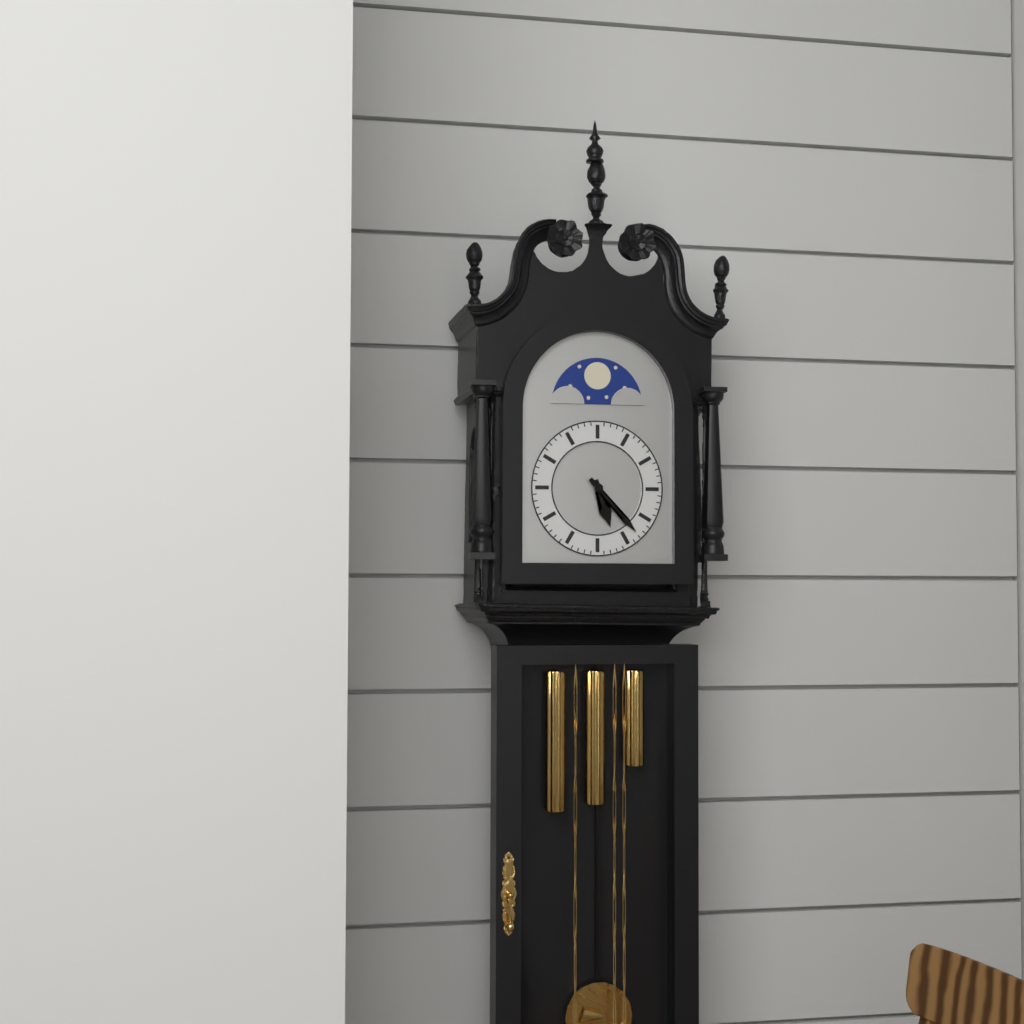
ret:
5.23
